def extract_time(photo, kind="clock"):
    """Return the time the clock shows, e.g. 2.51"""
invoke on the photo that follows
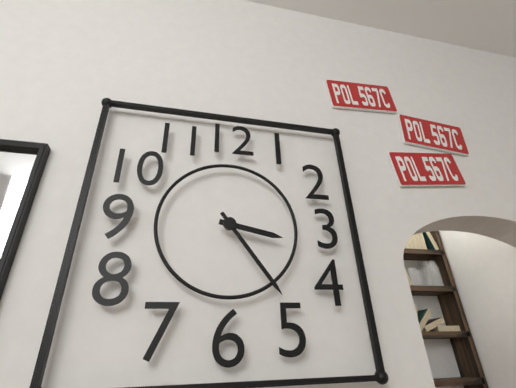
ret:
3.24
